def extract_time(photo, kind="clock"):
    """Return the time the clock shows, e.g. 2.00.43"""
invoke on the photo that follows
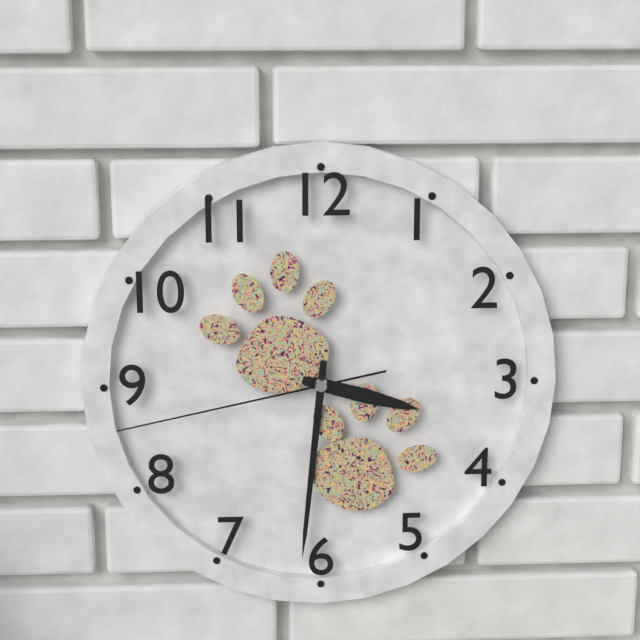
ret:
3.31.43
